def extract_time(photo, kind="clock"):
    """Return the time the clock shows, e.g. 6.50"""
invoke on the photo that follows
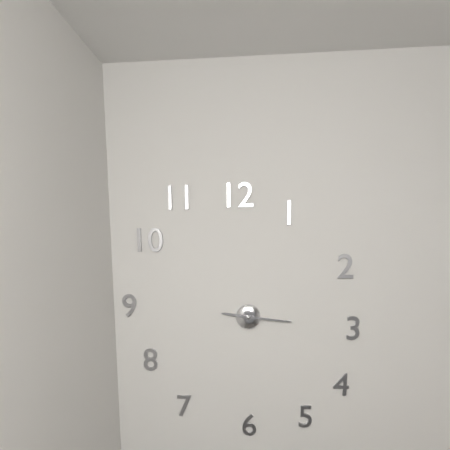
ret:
9.16
